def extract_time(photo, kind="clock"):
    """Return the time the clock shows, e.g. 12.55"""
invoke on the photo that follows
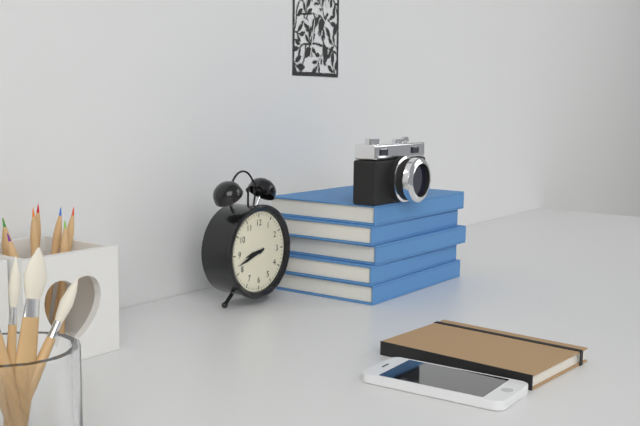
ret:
8.42
